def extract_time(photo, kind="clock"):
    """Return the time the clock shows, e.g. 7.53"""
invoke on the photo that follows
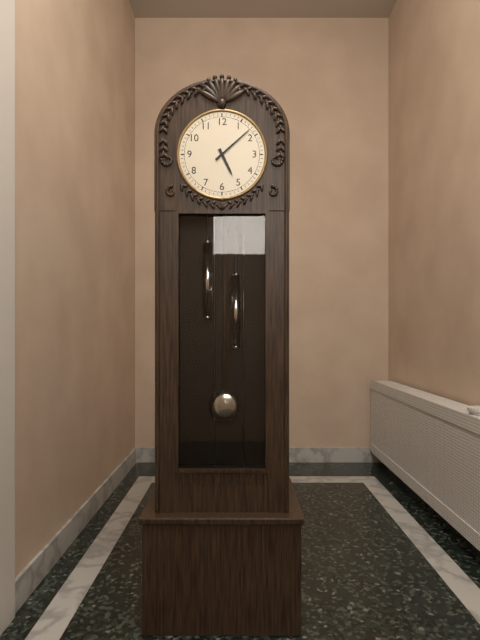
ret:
5.08
